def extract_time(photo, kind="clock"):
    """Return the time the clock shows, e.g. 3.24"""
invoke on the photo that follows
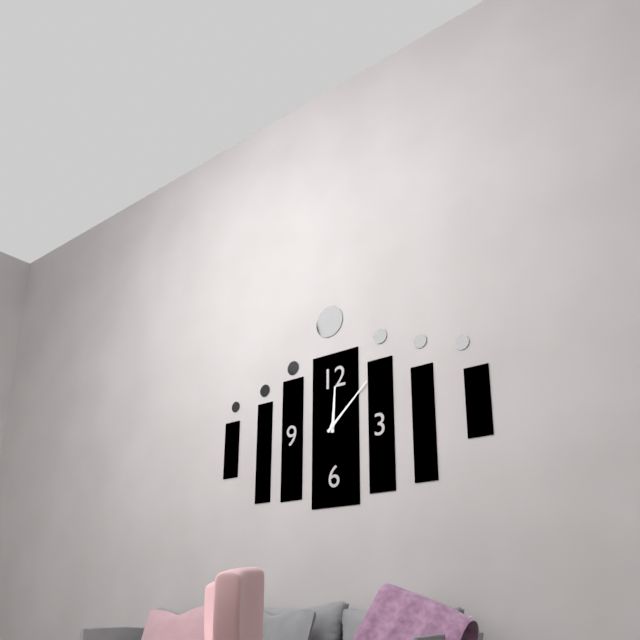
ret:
12.08
